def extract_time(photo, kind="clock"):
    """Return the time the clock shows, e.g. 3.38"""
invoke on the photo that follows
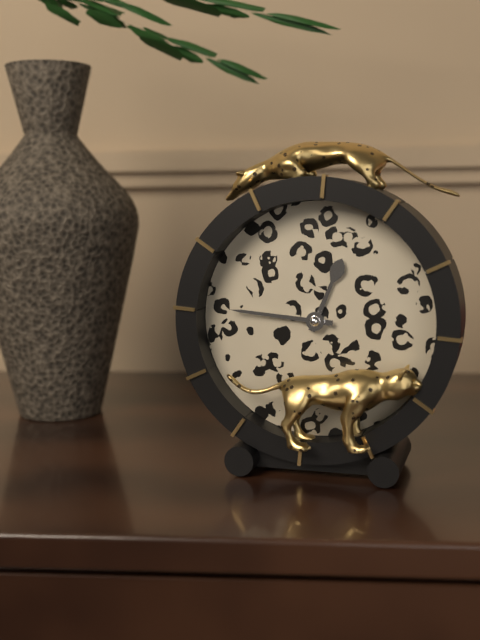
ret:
12.46
